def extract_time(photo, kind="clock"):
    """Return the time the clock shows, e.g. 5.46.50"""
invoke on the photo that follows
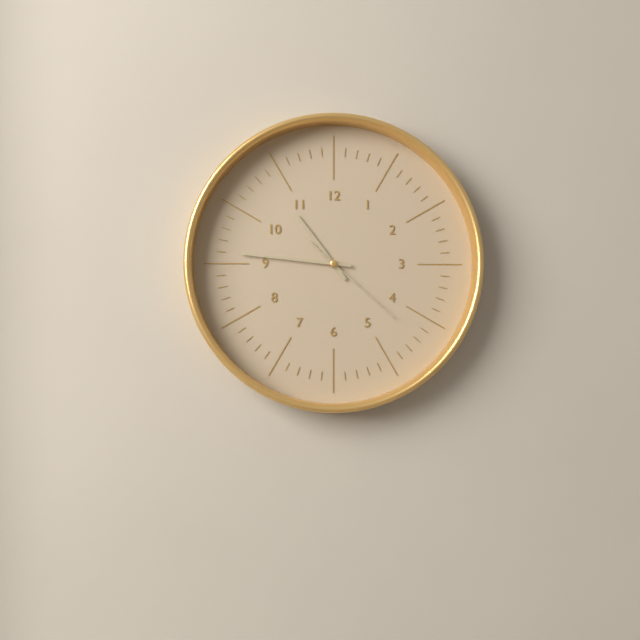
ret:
10.46.22
